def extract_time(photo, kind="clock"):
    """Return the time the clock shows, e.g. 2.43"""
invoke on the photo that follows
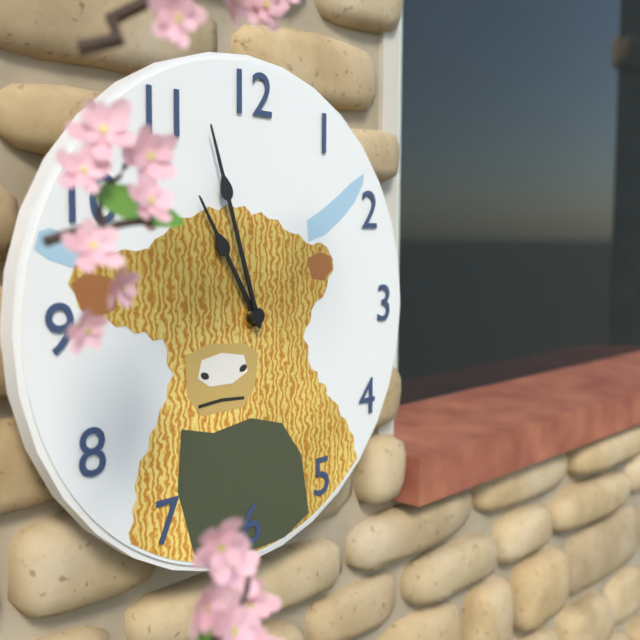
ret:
10.57
